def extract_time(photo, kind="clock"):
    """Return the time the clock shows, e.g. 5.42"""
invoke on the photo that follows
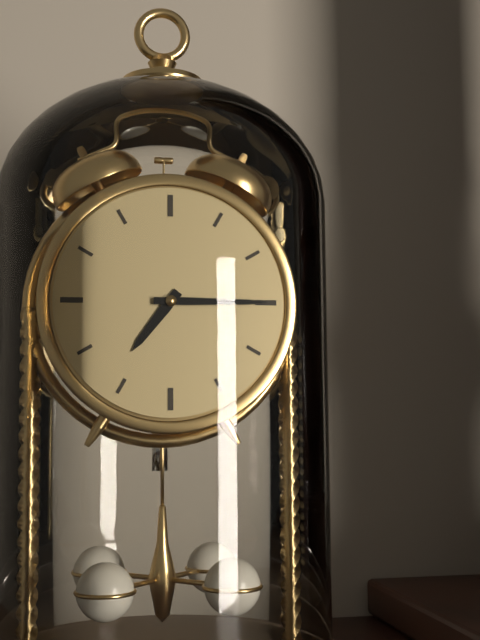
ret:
7.15
